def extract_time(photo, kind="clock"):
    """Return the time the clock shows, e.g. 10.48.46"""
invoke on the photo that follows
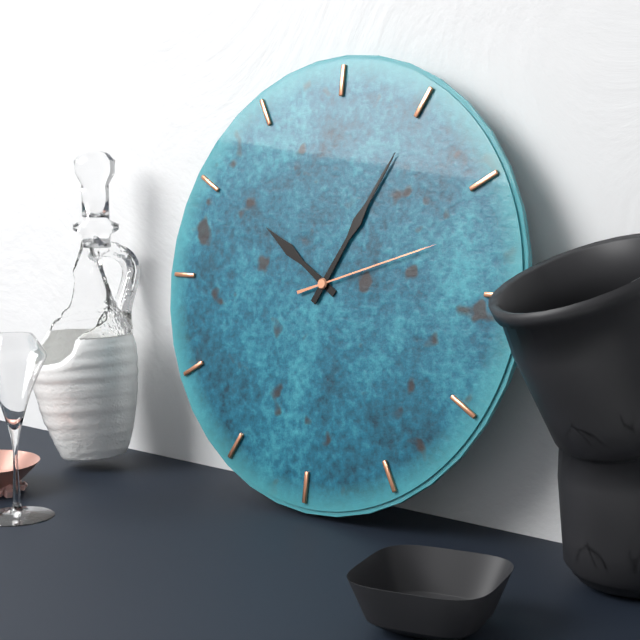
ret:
10.05.12
